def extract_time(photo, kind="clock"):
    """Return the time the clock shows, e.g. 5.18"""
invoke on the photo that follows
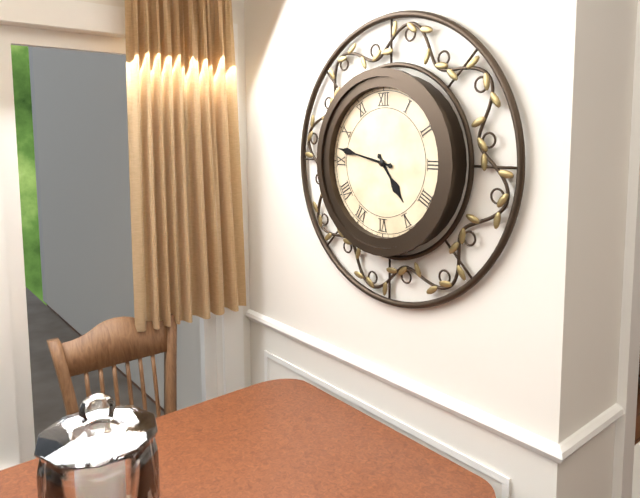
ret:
4.47
